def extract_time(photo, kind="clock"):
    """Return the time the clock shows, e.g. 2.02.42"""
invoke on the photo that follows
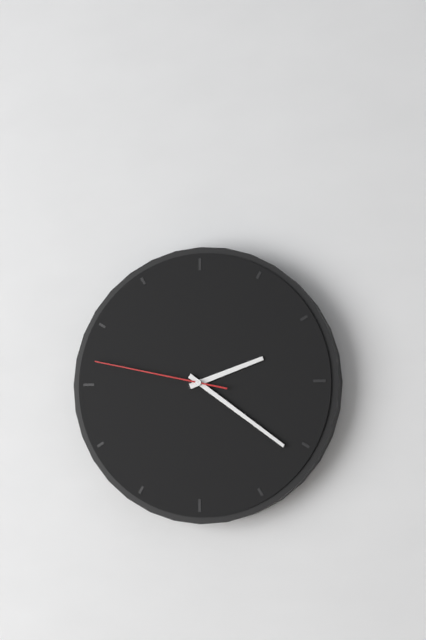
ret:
2.21.47
